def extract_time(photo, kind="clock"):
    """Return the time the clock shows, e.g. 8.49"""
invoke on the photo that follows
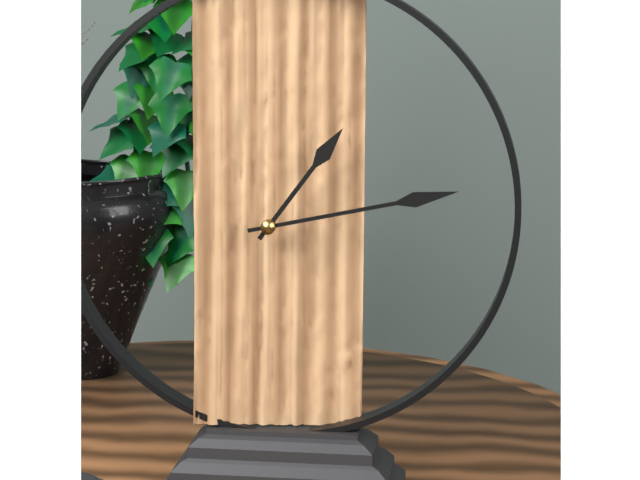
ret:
1.13
